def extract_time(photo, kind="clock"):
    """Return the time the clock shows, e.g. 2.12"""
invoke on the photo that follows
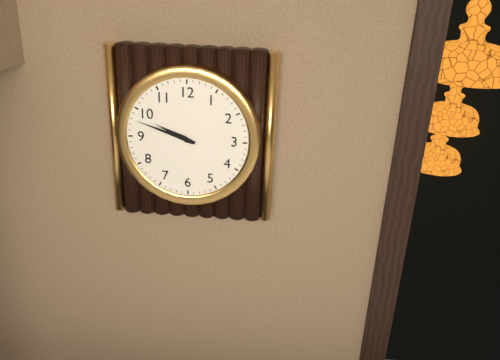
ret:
9.48
